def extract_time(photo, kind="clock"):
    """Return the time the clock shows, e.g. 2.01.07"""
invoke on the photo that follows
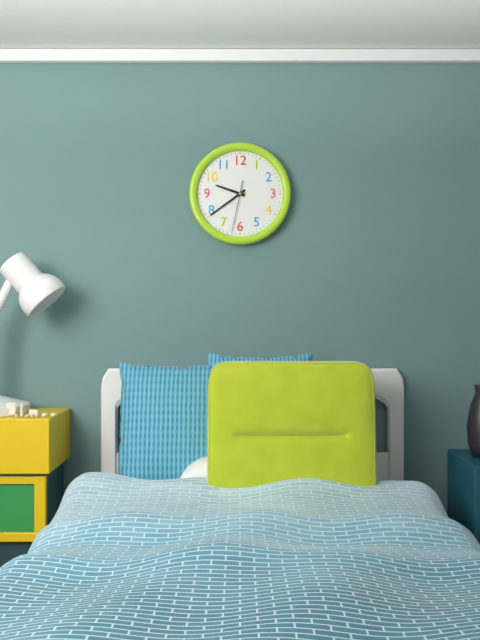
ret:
9.39.32
